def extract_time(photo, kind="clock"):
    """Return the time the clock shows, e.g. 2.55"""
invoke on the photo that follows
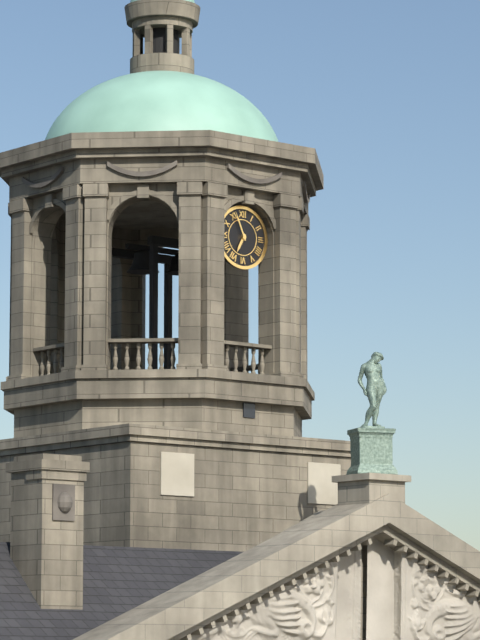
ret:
6.56
